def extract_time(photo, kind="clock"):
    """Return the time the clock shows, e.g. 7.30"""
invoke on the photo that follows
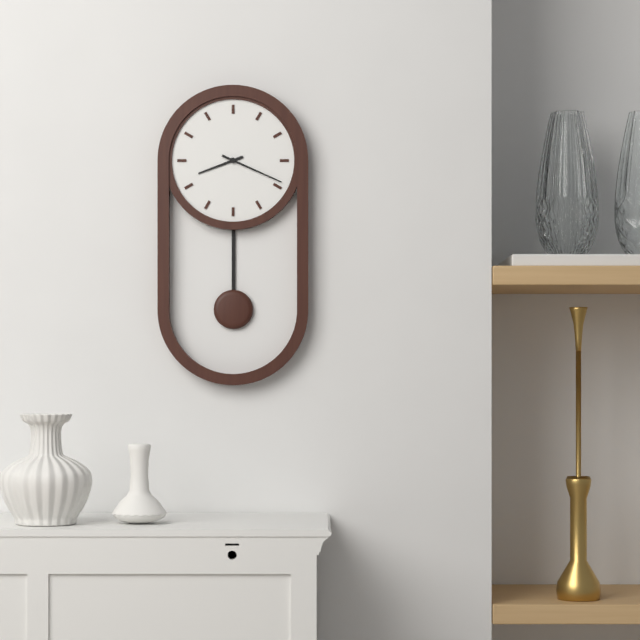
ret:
8.19
